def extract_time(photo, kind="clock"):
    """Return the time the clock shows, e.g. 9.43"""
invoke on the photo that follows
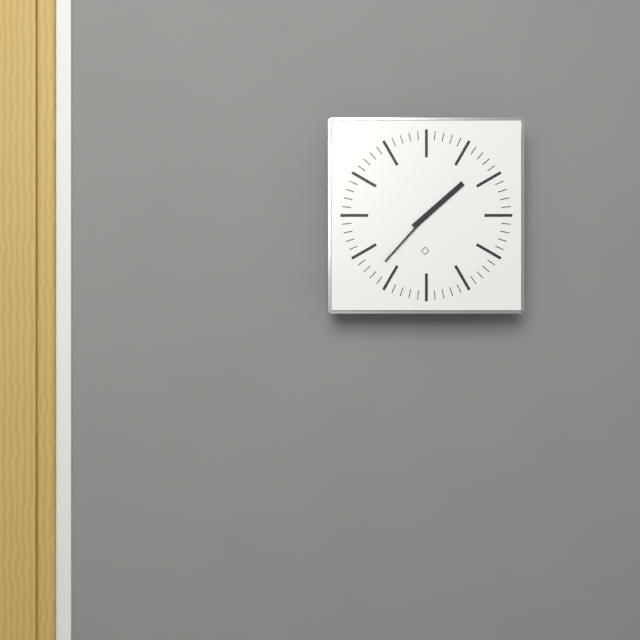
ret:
1.37
